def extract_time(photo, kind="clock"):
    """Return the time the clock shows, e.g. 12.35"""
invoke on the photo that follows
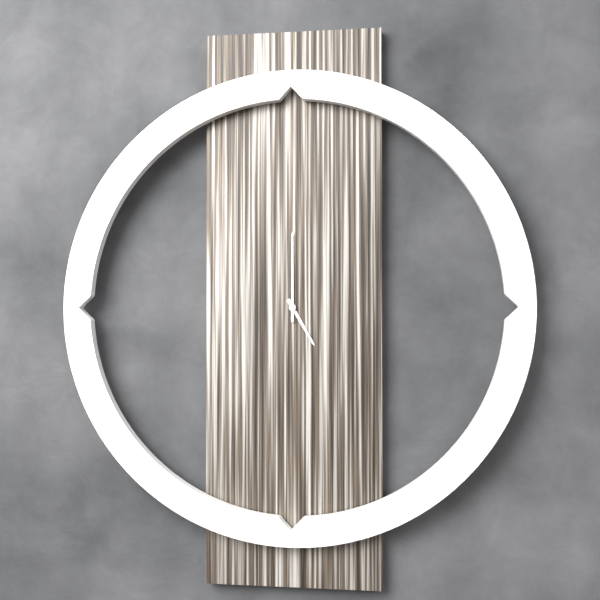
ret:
5.00
